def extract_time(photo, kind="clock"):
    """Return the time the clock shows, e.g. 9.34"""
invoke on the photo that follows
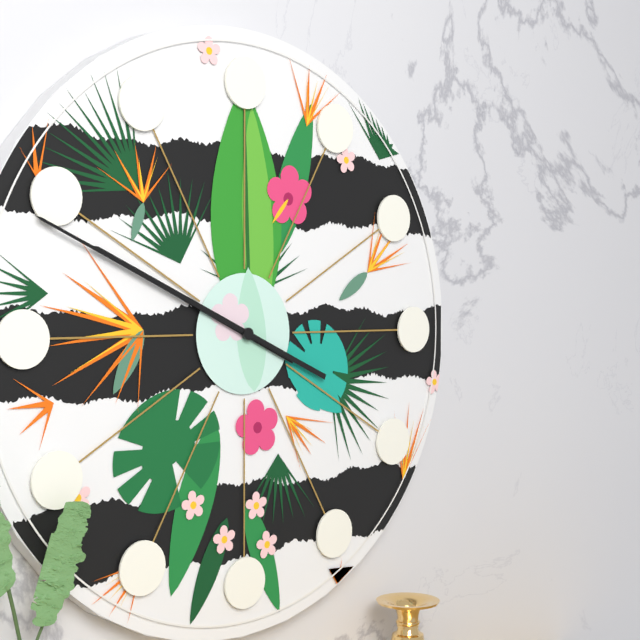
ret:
9.49
